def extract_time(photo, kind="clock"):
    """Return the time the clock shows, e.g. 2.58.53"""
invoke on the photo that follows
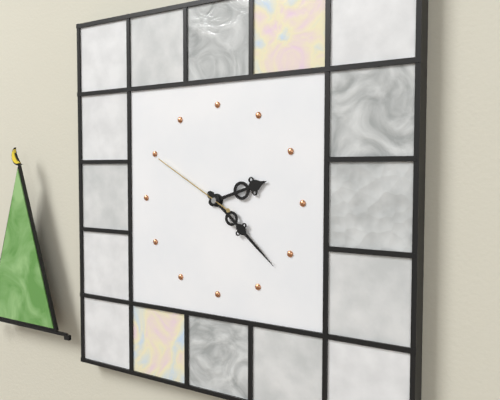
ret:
2.22.50
